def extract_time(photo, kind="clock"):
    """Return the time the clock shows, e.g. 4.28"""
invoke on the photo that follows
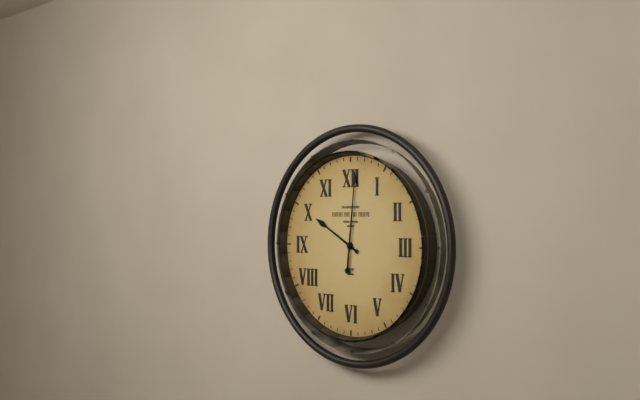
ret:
10.01
